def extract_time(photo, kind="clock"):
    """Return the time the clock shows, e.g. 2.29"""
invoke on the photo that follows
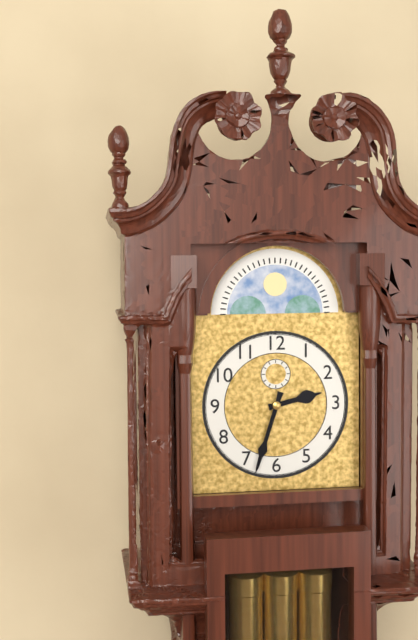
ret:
2.33
